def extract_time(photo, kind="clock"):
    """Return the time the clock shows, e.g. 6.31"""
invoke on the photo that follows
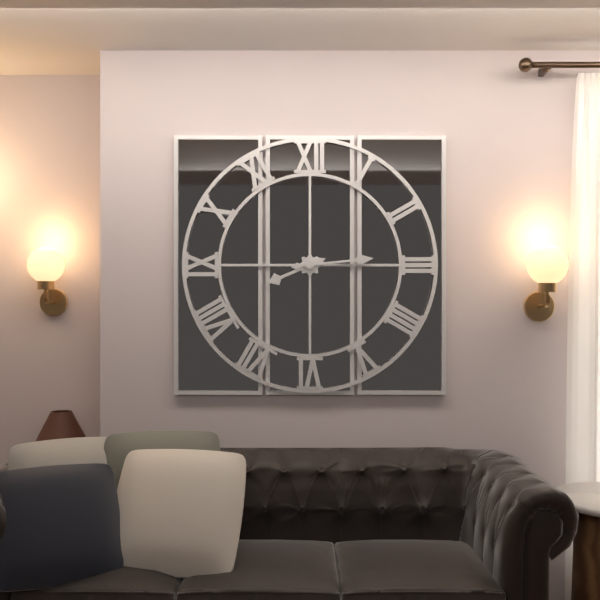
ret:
8.14
